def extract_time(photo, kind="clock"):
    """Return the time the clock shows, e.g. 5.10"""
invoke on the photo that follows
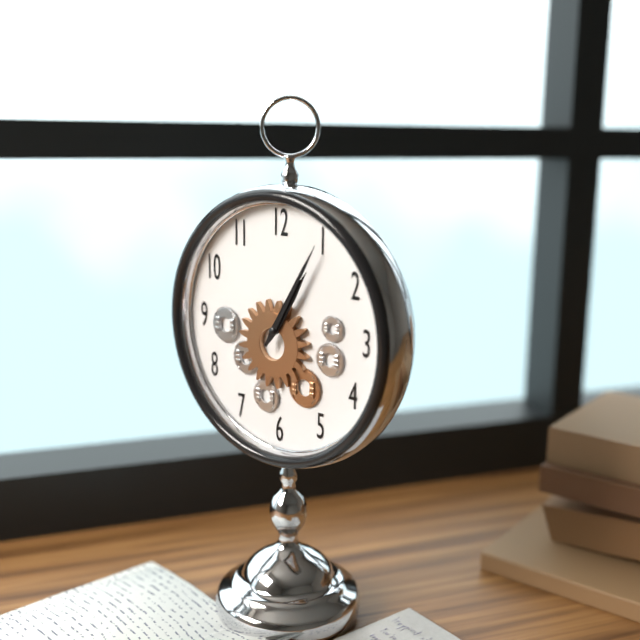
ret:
1.05
